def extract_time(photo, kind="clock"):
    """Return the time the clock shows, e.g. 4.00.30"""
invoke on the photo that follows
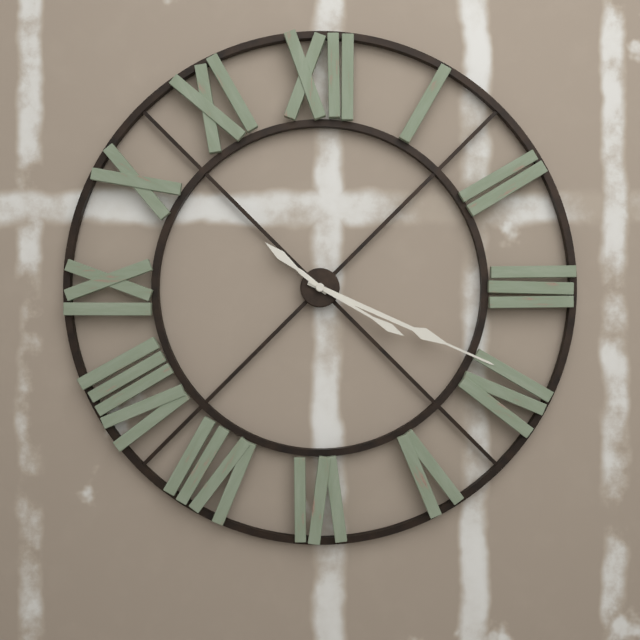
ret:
10.19.20
